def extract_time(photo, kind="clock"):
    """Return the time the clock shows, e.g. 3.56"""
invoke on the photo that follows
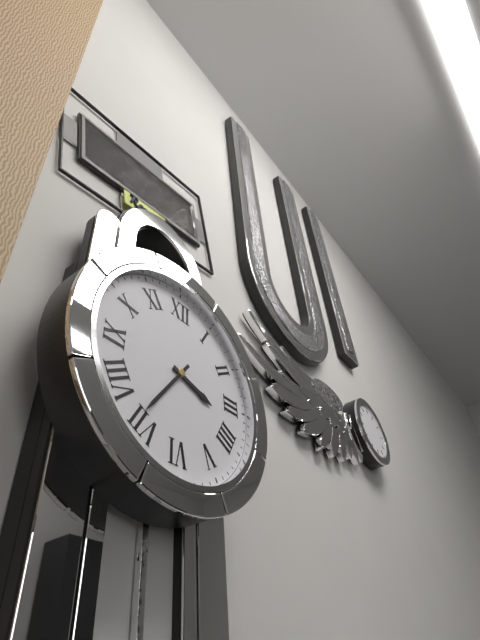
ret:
3.36
